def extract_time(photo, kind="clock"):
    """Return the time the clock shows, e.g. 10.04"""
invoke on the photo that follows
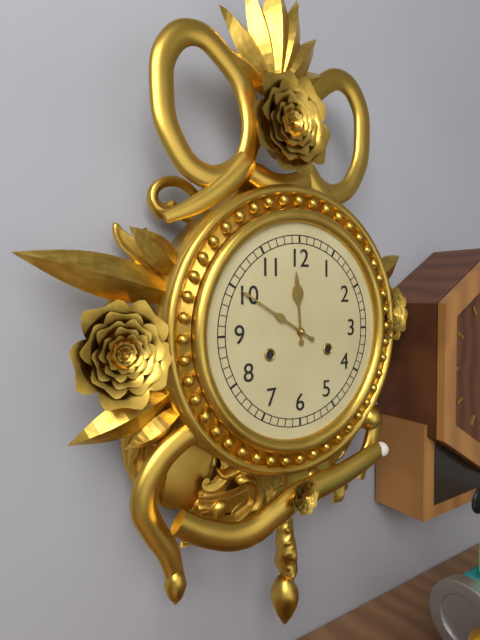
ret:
11.50
